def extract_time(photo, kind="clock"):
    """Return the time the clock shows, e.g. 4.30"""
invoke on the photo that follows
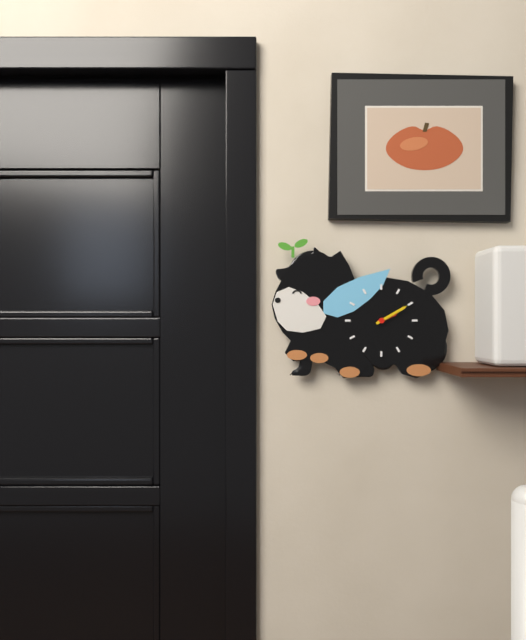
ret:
2.10
